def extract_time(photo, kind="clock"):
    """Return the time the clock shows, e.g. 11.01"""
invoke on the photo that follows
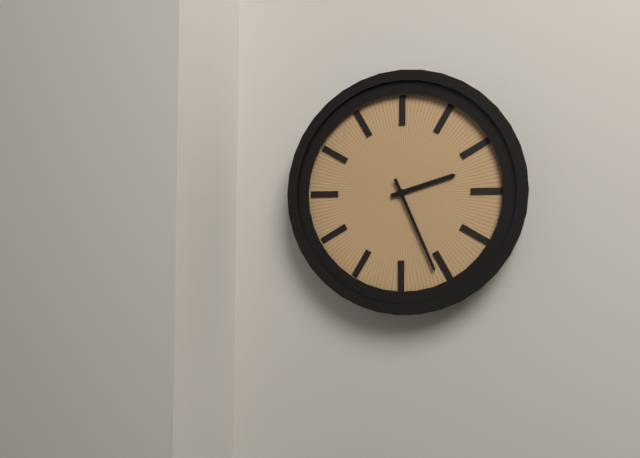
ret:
2.26
